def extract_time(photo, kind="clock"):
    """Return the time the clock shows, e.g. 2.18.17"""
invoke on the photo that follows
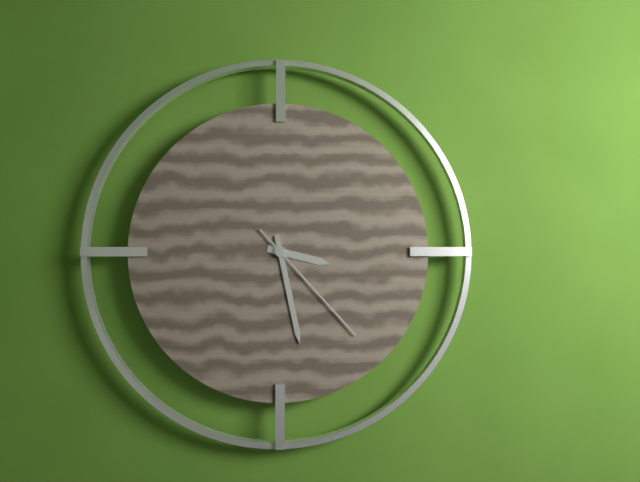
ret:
3.28.23
